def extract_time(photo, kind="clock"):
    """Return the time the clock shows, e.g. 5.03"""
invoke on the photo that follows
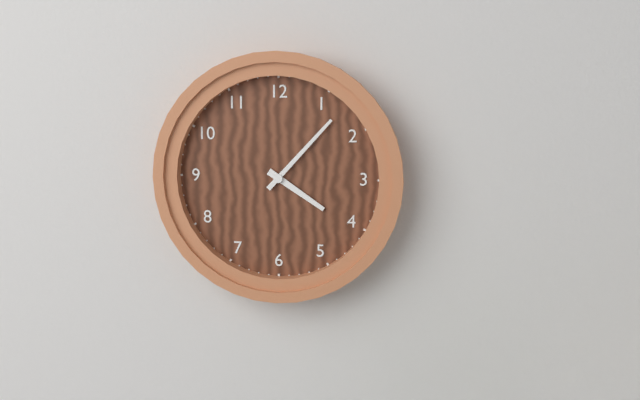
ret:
4.07
